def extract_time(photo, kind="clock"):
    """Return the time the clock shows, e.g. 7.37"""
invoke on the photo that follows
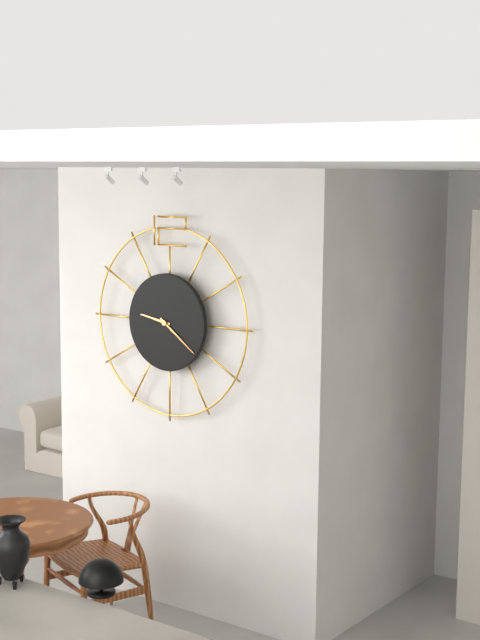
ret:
9.21
